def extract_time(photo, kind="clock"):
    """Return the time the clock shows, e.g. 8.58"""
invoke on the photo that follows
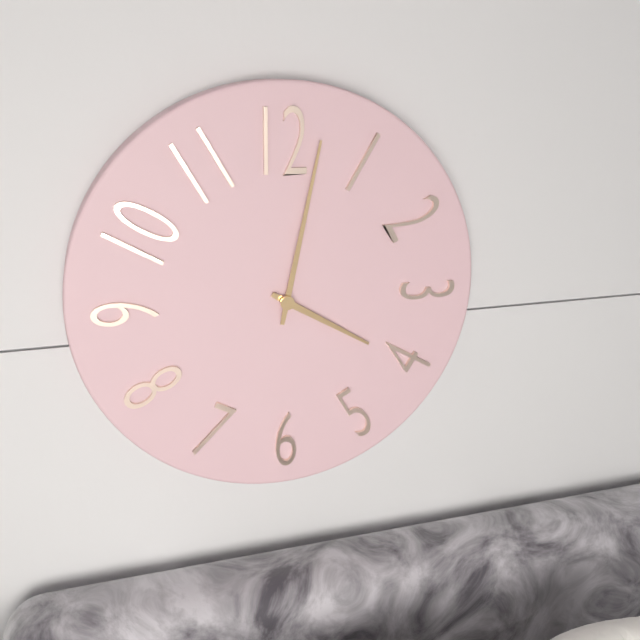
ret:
4.02
